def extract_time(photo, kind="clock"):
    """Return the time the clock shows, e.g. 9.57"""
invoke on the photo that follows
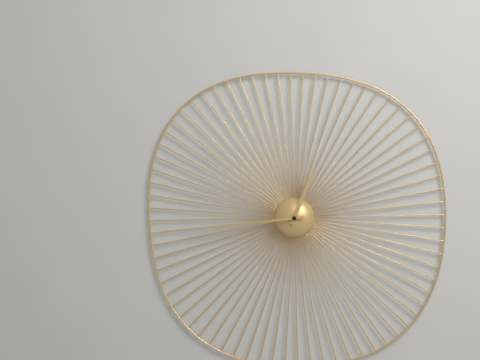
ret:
12.44
